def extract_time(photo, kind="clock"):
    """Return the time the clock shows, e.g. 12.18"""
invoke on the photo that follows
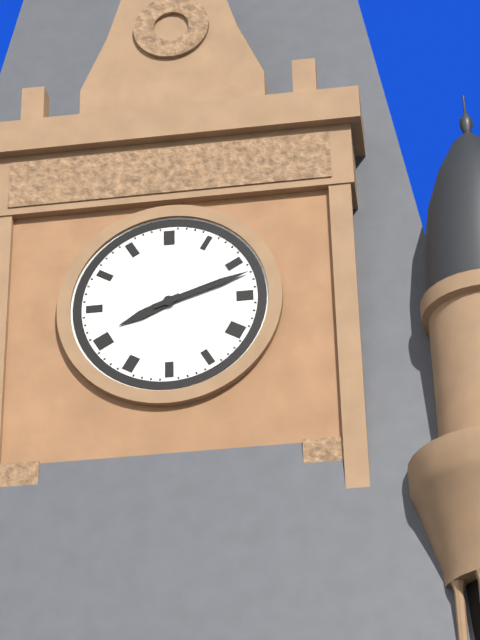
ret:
8.12
